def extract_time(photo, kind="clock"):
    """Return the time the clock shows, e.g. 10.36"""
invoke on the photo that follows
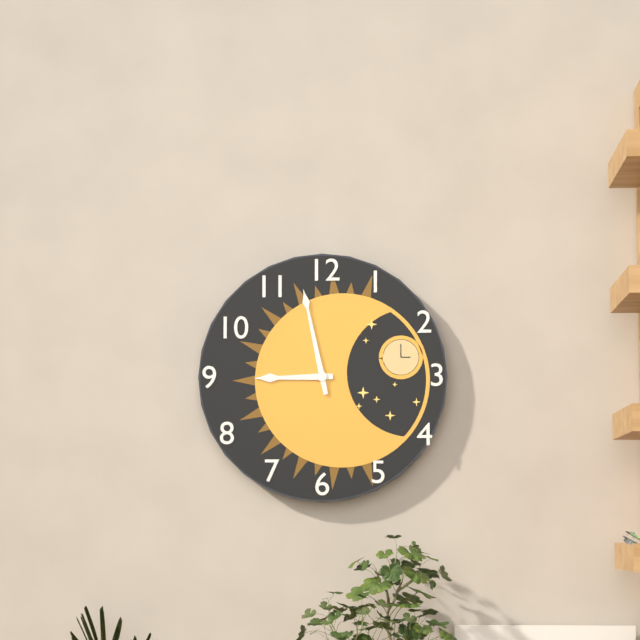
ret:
8.58
